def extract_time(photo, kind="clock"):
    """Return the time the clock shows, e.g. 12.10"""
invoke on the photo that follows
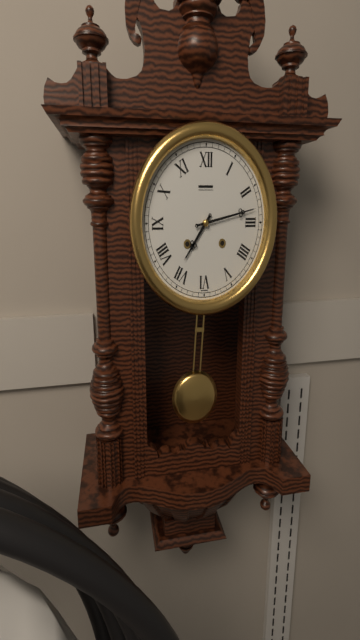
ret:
7.13
